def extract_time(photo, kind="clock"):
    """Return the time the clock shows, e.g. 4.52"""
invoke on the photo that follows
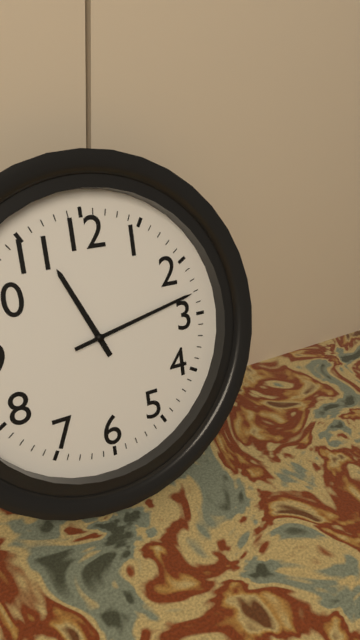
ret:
11.13
